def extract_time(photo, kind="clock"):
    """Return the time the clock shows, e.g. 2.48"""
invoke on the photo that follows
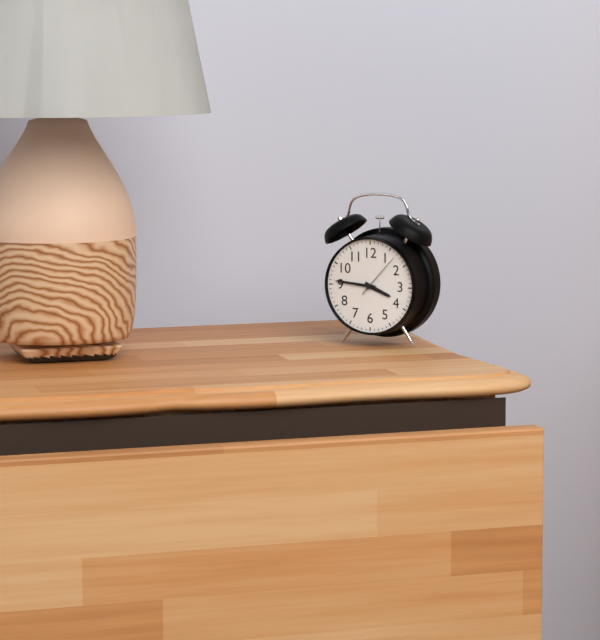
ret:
3.46
